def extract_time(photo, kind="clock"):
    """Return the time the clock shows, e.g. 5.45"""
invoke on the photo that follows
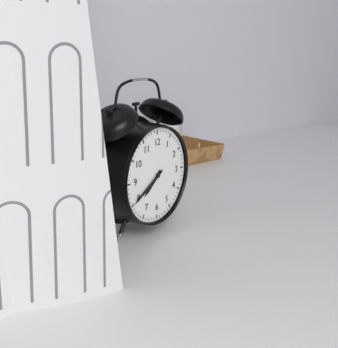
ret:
7.40
